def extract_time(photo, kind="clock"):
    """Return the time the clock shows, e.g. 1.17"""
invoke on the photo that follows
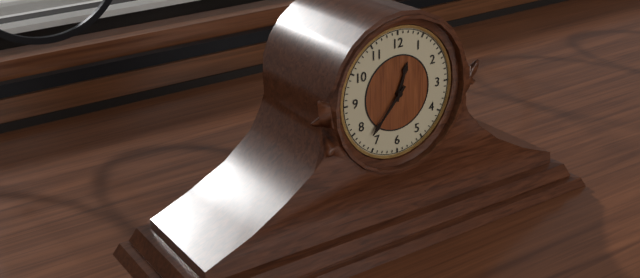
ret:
12.37
